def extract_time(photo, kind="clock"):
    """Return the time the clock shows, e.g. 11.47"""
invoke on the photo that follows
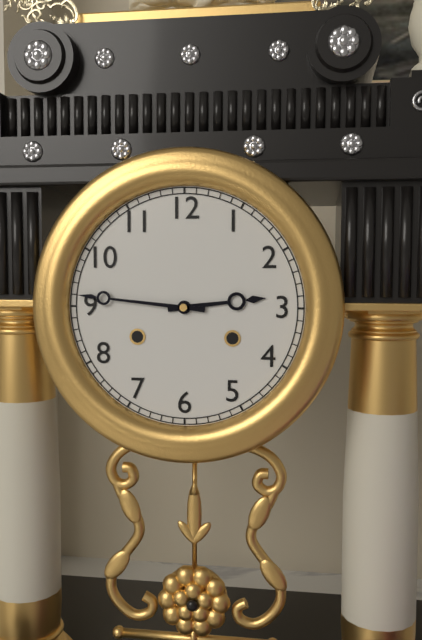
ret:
2.46
